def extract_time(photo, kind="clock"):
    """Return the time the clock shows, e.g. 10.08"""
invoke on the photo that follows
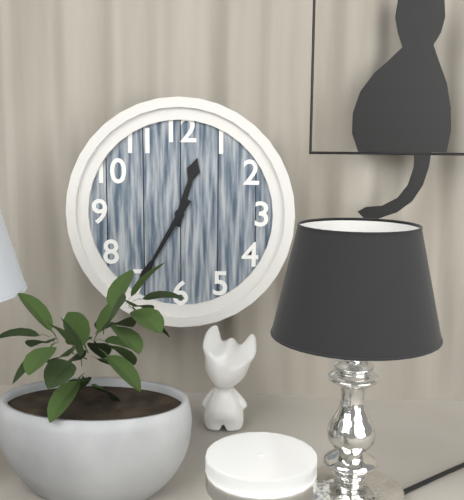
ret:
12.35
